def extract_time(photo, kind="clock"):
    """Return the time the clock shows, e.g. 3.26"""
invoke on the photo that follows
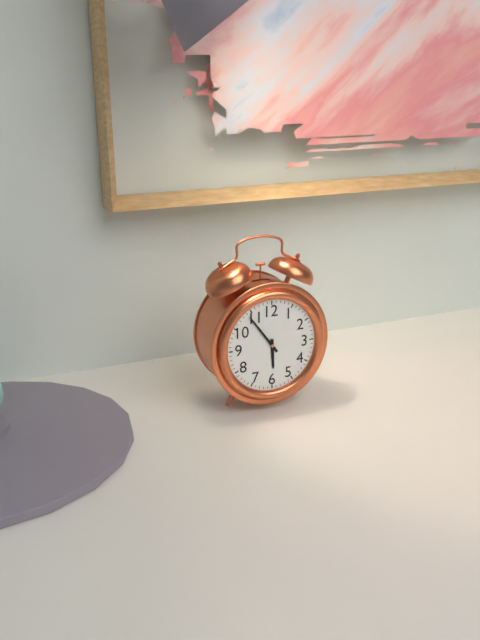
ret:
5.54
